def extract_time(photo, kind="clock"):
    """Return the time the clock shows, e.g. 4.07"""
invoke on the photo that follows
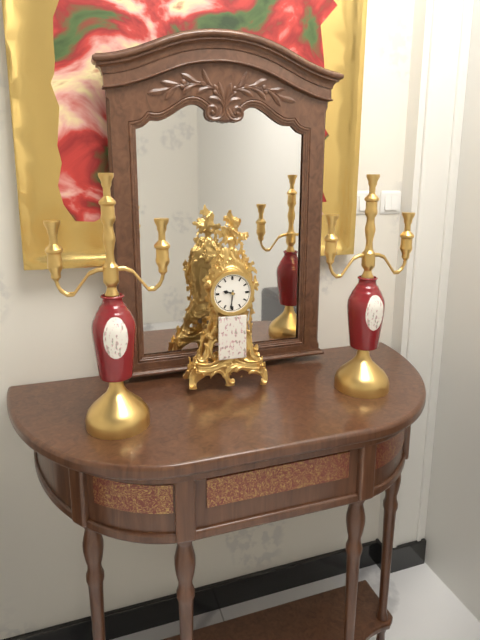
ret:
9.31
